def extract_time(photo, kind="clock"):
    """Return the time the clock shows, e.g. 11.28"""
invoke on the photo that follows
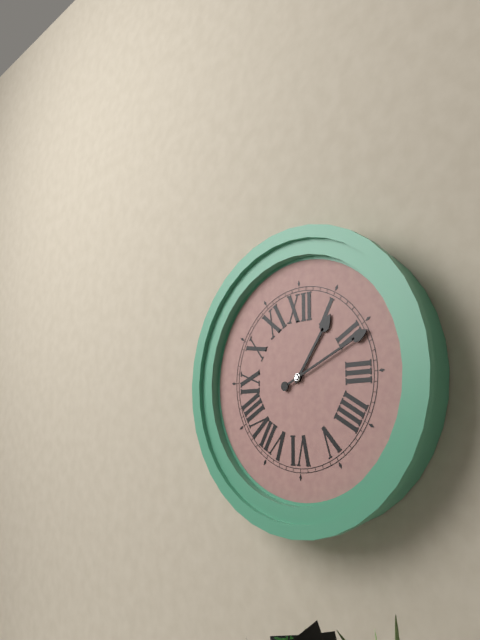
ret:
1.11
